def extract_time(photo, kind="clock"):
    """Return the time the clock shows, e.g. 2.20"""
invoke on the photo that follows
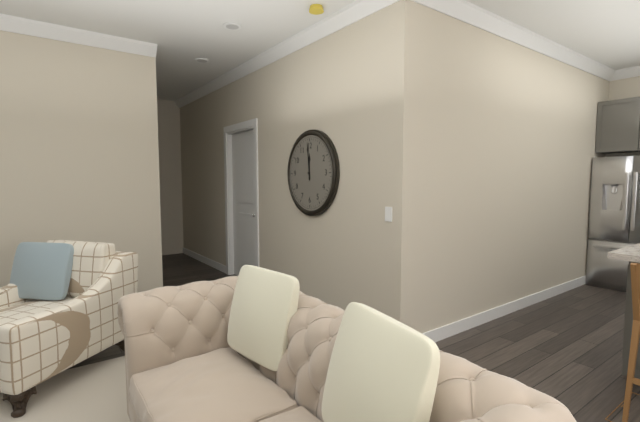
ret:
11.59
